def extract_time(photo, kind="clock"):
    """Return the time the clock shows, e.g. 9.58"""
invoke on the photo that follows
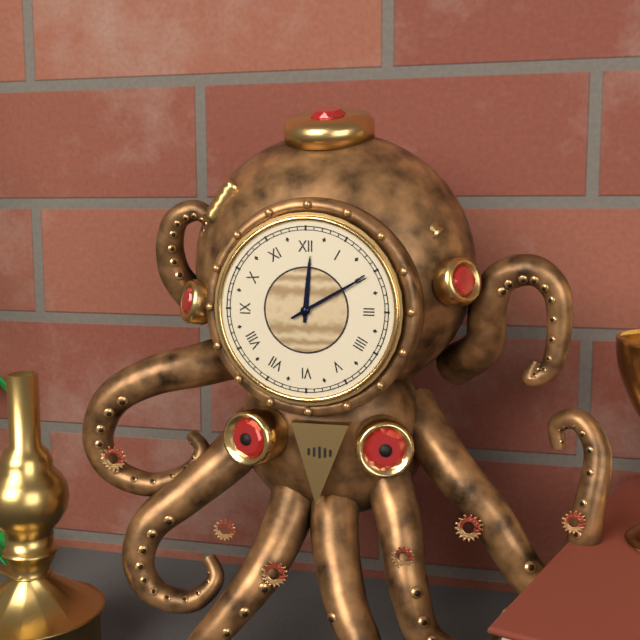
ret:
12.10
